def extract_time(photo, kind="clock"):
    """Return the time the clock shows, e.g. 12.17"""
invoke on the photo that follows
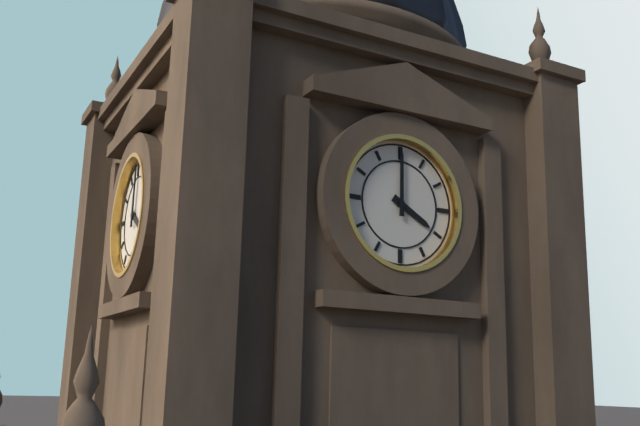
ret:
4.00
